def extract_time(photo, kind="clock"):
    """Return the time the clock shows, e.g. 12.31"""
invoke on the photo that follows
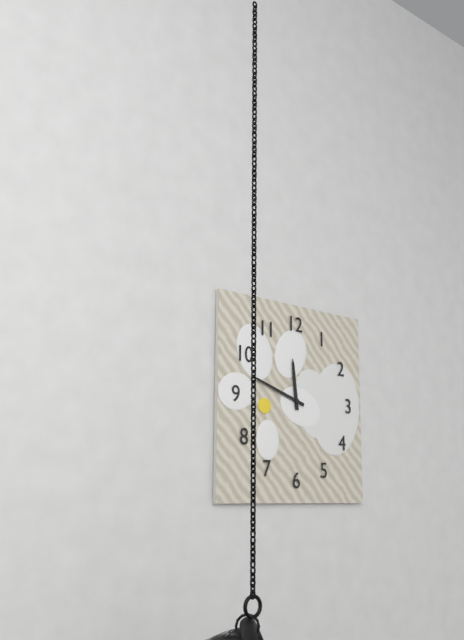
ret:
11.48
